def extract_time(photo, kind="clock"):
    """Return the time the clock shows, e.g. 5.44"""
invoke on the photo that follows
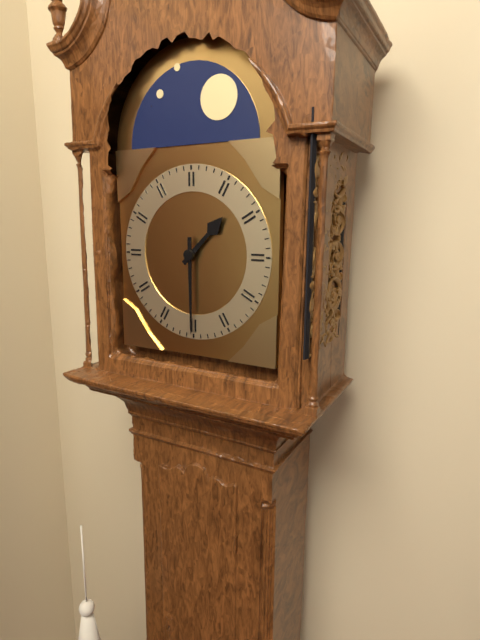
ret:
1.30
